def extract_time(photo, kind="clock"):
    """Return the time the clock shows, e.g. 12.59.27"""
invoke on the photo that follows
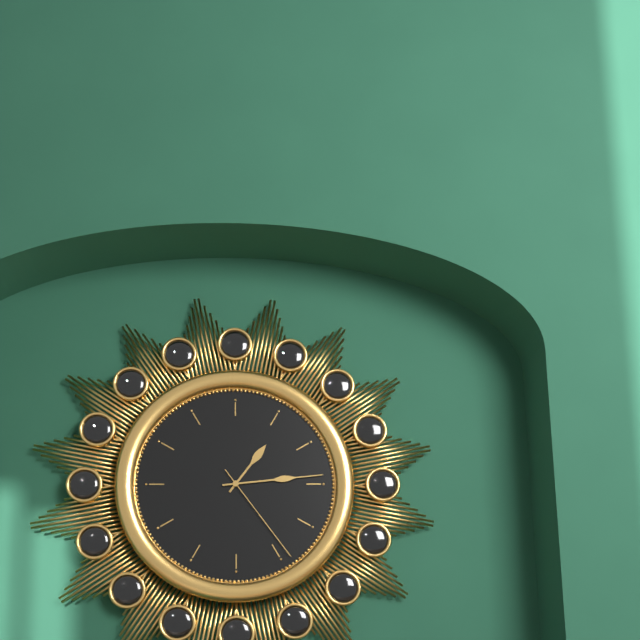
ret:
1.14.24
